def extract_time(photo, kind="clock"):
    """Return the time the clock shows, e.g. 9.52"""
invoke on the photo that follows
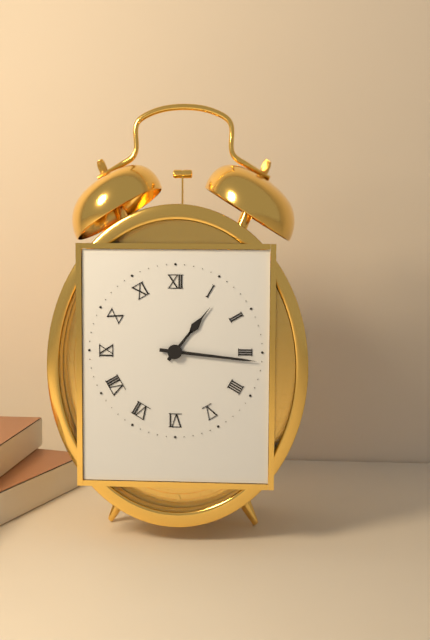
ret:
1.16
